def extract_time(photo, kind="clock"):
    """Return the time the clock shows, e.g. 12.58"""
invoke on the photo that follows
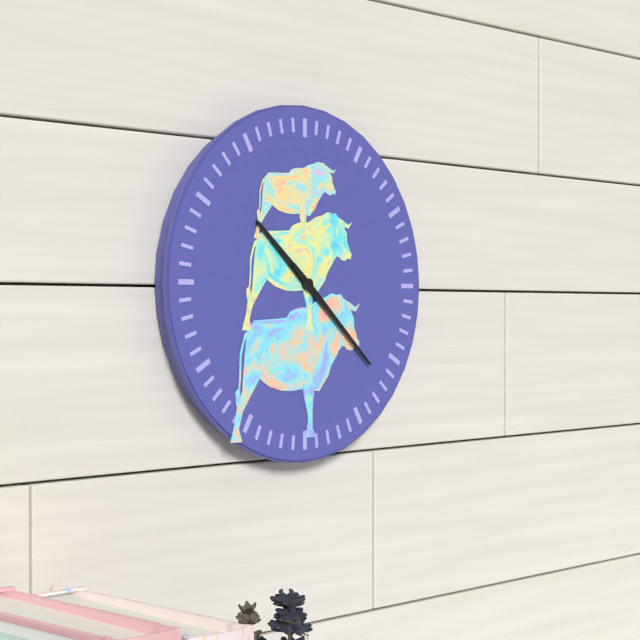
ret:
10.22
